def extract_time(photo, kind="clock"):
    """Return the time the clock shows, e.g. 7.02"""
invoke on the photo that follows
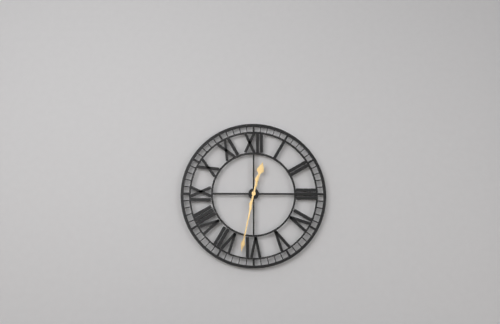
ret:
12.32
